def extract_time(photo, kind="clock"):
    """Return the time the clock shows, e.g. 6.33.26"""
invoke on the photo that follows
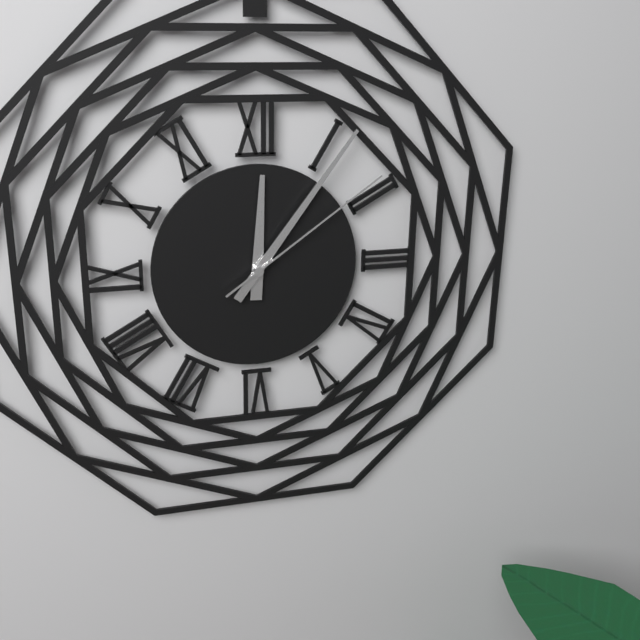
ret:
12.06.09
